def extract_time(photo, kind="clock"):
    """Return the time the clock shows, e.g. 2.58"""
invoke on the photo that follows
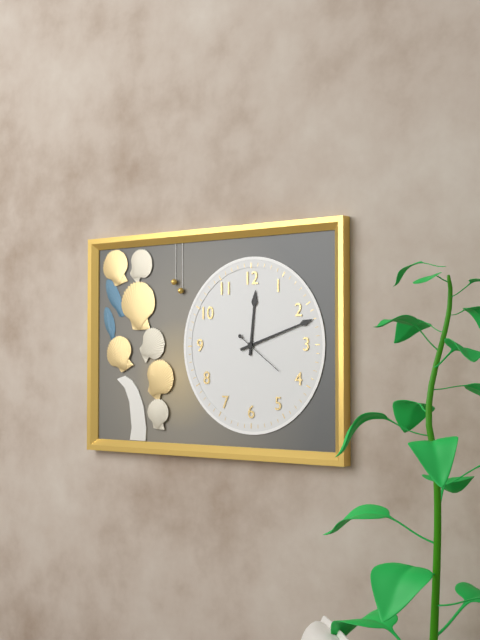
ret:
12.12
